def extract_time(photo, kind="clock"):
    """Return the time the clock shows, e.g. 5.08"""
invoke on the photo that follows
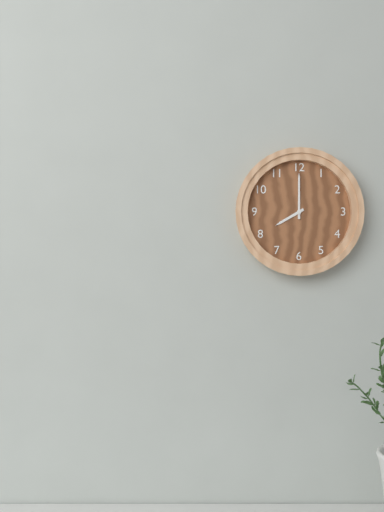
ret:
8.00
